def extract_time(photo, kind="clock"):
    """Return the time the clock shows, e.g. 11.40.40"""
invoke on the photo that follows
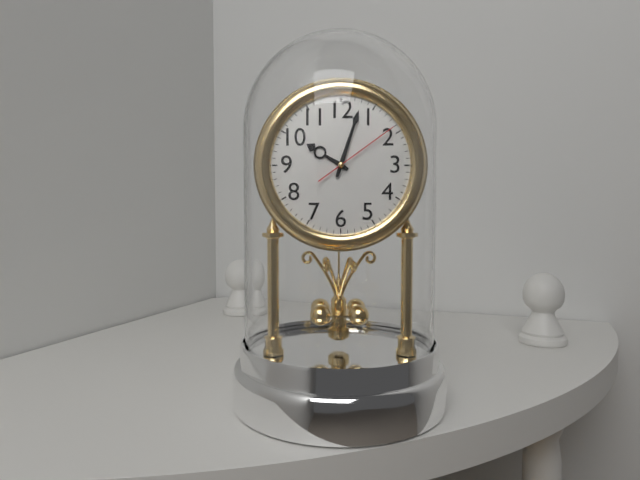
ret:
10.03.09
